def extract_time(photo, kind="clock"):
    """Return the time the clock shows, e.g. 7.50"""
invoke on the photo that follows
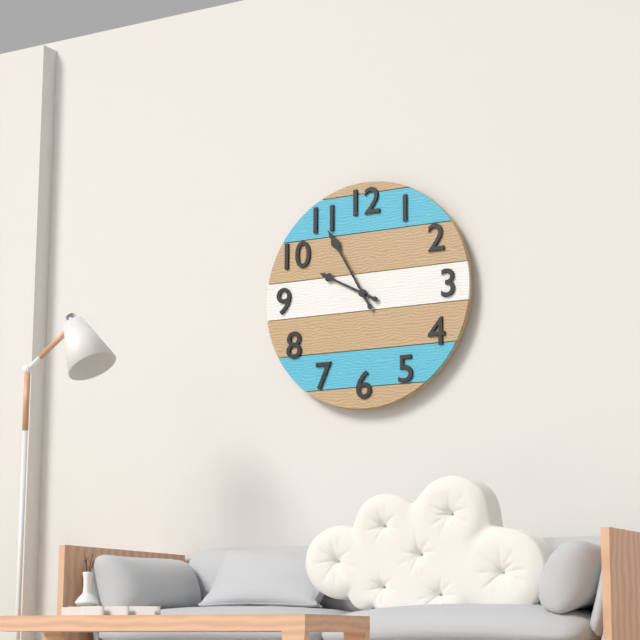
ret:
9.55
